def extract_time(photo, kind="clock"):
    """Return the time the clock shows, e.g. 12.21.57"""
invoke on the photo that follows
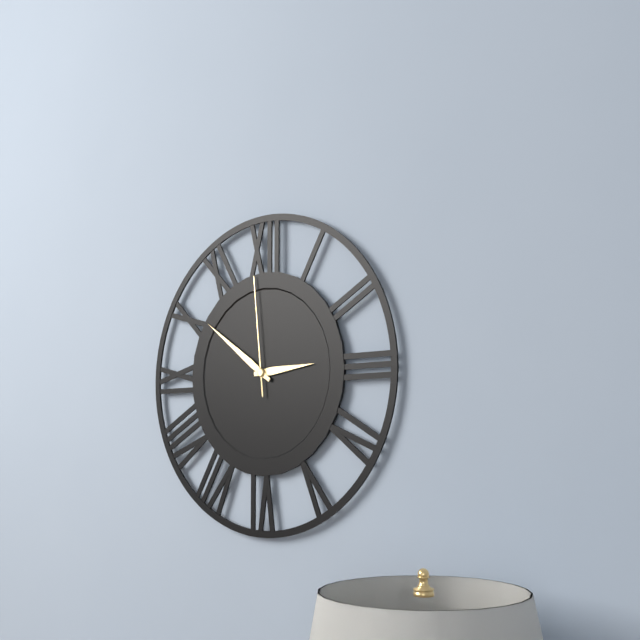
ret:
2.51.59
